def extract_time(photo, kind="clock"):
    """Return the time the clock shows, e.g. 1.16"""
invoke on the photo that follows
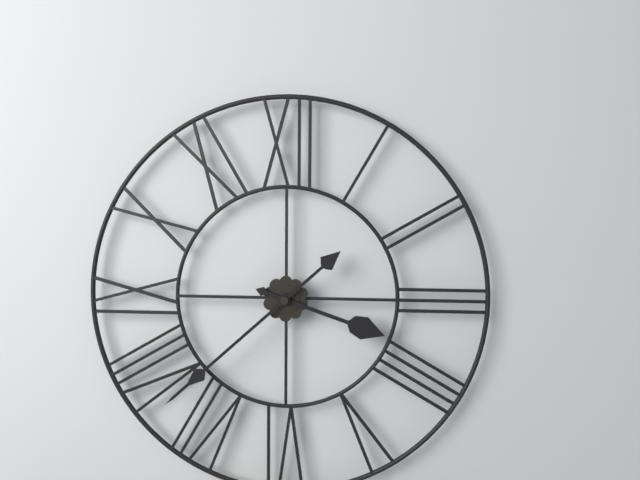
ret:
3.38
